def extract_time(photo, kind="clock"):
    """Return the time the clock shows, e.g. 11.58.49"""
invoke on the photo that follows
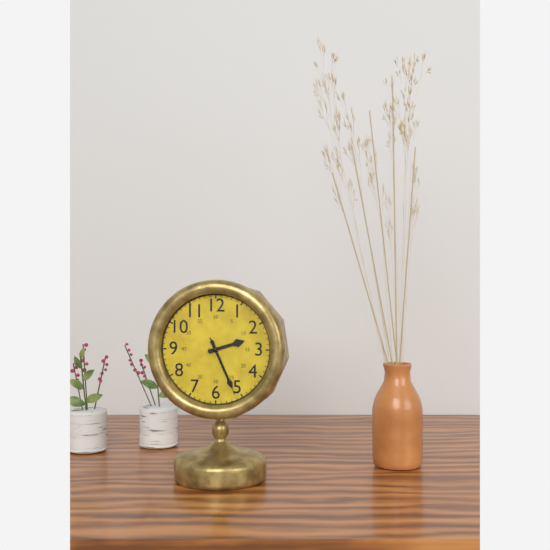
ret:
2.26.26
